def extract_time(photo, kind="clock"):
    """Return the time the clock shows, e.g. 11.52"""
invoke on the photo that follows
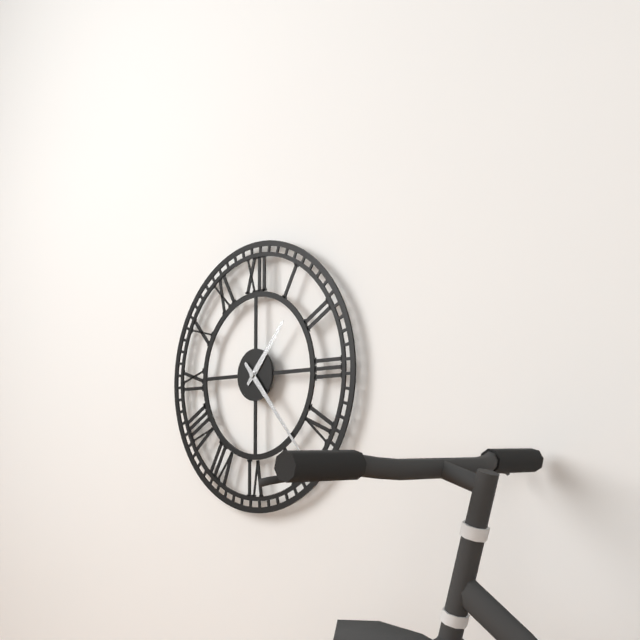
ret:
1.23
